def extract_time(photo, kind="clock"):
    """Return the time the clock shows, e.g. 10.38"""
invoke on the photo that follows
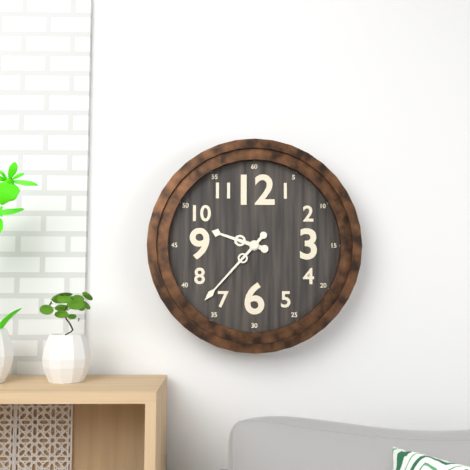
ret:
9.37
